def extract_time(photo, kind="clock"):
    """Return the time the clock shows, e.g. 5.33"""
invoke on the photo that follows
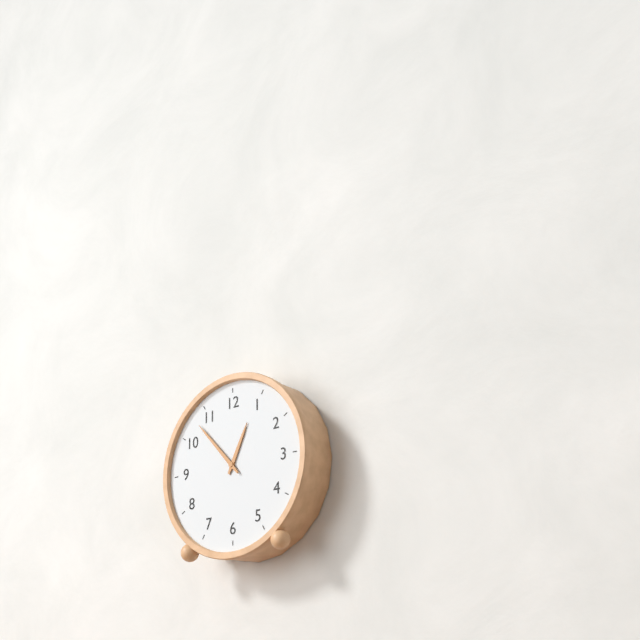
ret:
12.53
